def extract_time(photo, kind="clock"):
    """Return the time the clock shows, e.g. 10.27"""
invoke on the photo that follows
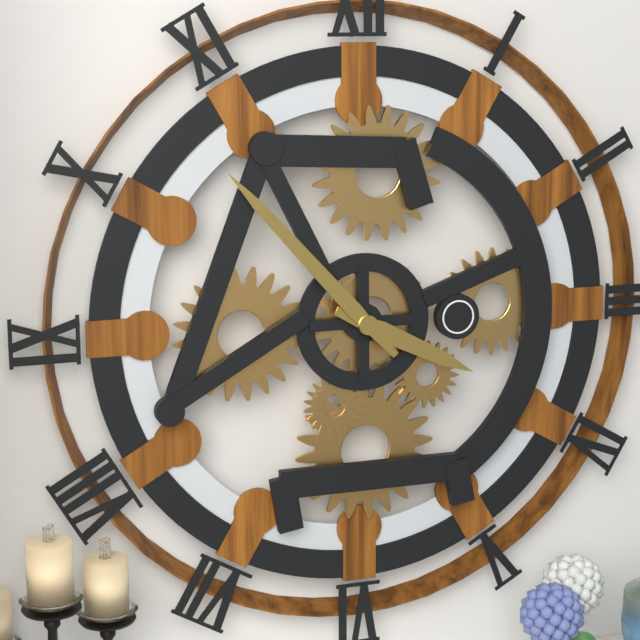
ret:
3.53
